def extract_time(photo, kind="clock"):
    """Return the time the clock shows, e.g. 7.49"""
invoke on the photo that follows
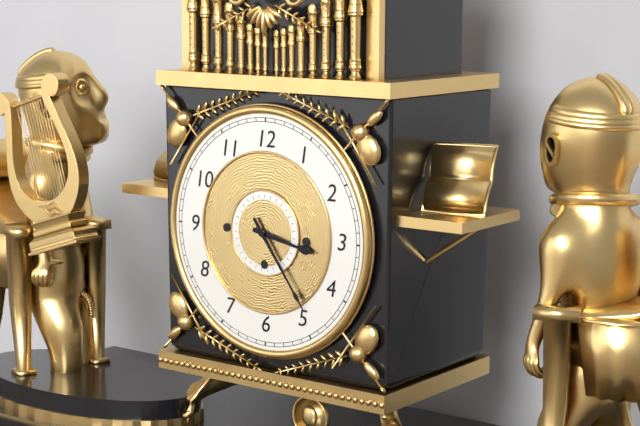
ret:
3.24
